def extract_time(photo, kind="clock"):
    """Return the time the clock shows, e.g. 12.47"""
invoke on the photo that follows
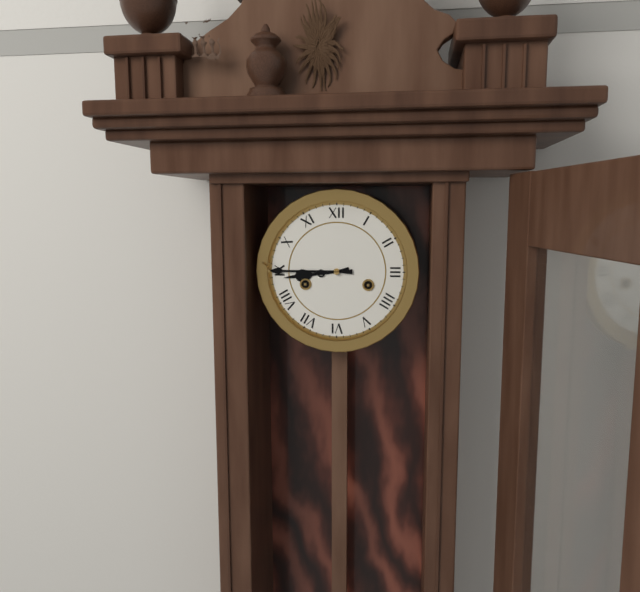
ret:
8.45
